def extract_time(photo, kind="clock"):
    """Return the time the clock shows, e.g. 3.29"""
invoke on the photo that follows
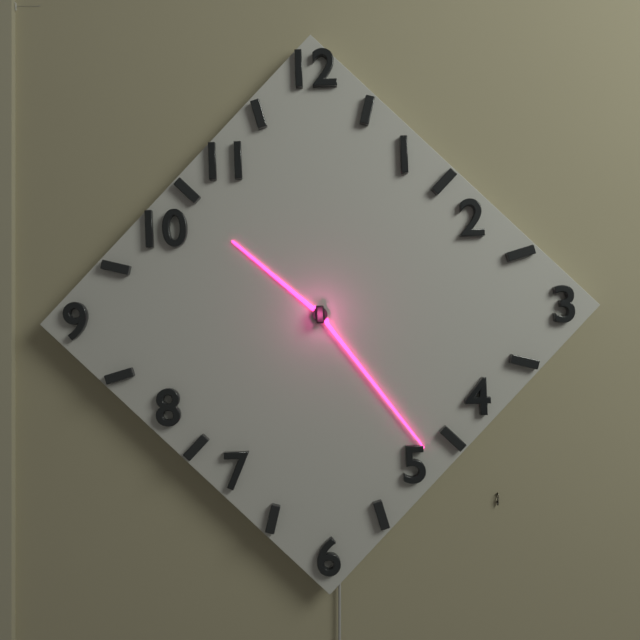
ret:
10.24
